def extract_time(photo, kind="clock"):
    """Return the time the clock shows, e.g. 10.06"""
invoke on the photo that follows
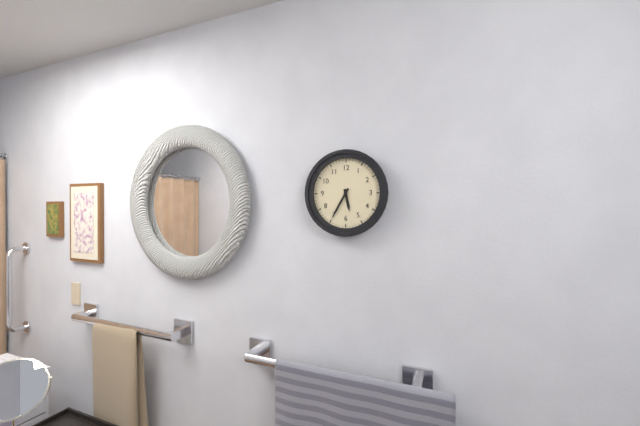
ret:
5.35
